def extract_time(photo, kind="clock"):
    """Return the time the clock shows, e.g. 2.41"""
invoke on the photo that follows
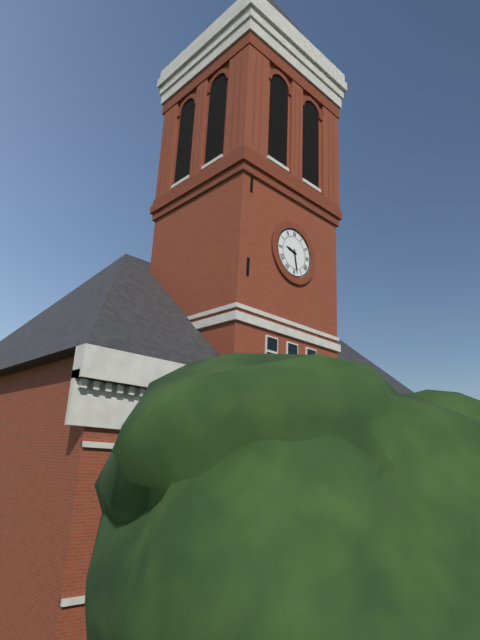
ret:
9.28
